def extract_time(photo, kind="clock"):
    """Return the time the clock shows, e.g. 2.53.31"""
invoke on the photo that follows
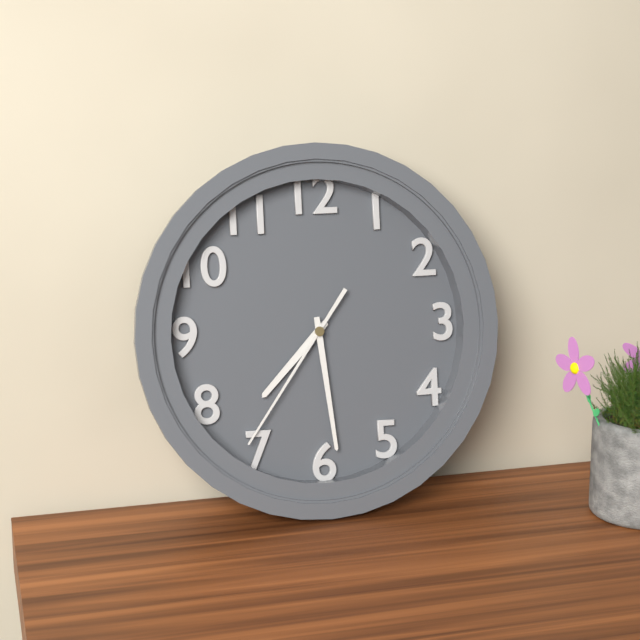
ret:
7.29.36
